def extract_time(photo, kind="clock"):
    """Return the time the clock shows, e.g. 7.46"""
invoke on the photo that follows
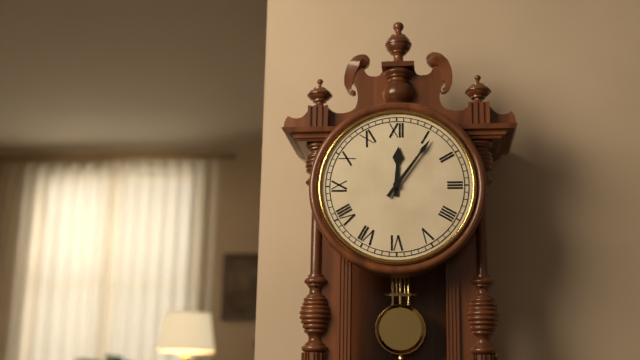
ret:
12.06
